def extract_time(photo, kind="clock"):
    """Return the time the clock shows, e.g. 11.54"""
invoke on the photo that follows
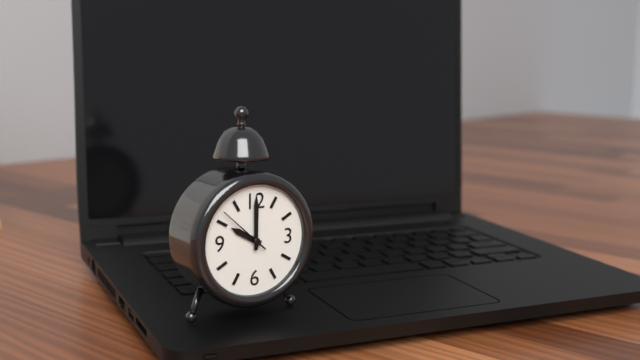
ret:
10.00
